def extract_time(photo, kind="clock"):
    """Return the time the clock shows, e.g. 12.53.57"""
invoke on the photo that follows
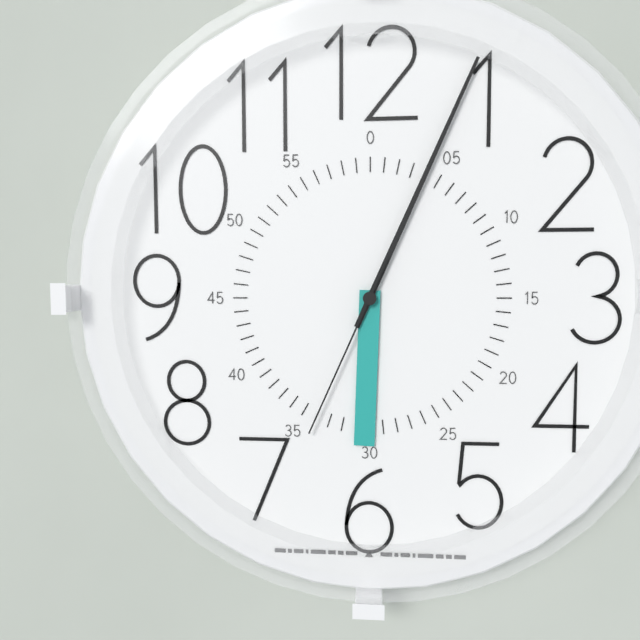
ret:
6.04.34
